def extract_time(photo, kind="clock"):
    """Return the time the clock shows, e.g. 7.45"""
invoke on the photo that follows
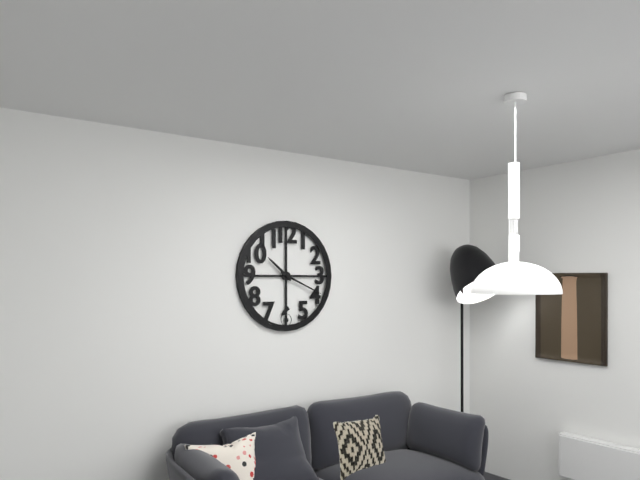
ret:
10.19
